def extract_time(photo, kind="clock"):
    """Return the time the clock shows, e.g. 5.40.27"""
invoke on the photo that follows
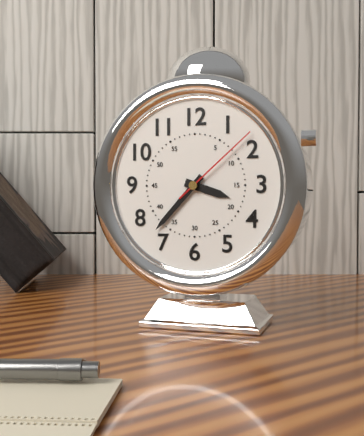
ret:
3.37.08
